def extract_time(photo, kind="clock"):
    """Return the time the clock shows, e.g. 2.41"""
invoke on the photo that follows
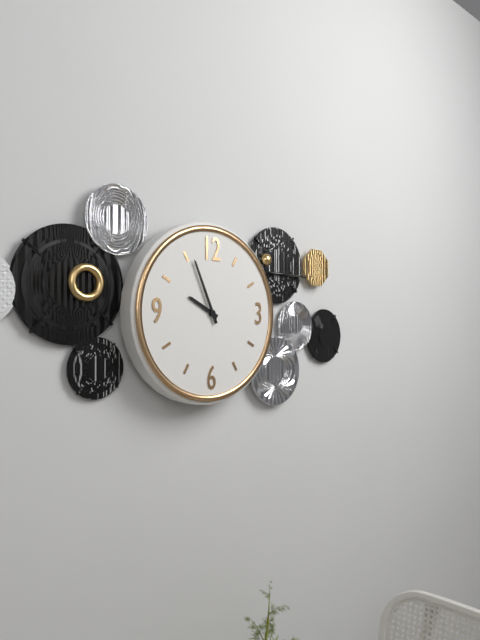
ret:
9.56
